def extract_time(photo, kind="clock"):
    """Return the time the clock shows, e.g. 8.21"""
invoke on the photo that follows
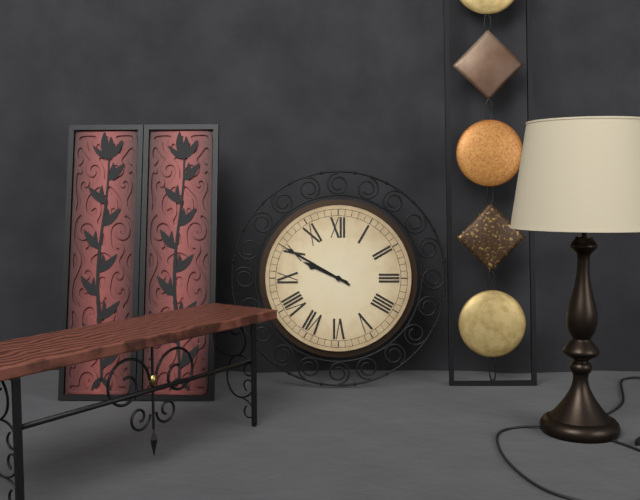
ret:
9.50
